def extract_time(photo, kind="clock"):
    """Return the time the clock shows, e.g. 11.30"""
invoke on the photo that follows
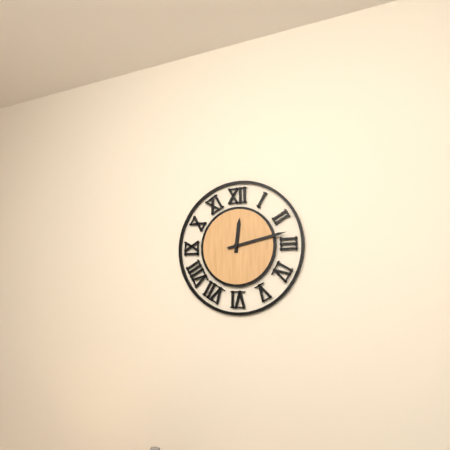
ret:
12.13
